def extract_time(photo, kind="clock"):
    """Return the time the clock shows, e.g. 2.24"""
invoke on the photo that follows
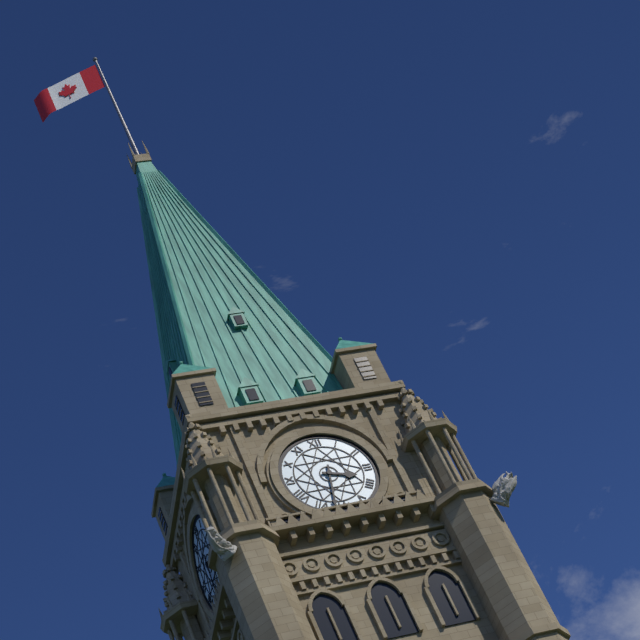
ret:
3.32
